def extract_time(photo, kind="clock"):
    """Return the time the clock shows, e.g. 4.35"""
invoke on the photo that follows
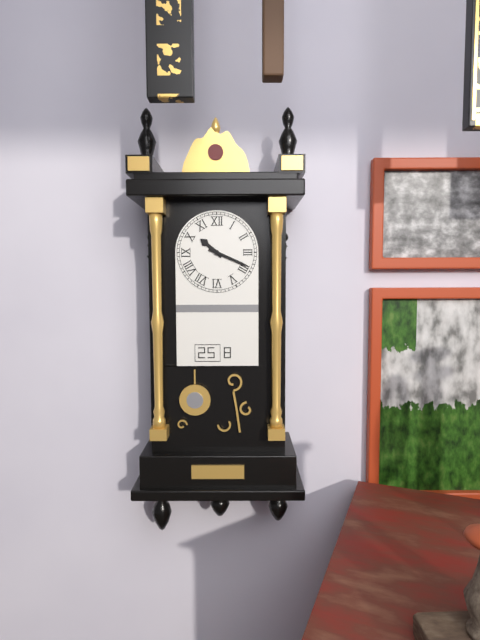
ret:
10.19
